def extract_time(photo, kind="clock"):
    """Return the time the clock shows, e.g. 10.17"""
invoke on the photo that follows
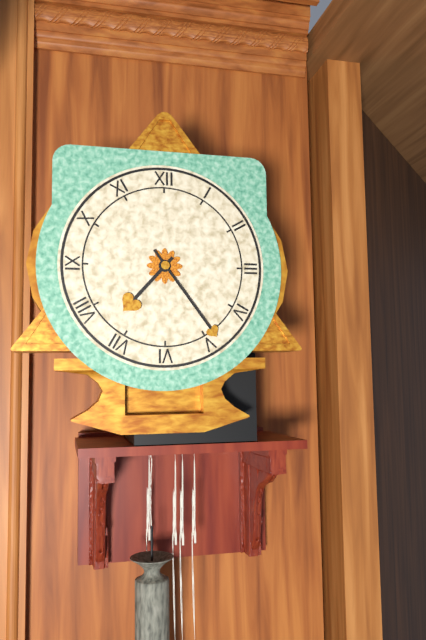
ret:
7.24
